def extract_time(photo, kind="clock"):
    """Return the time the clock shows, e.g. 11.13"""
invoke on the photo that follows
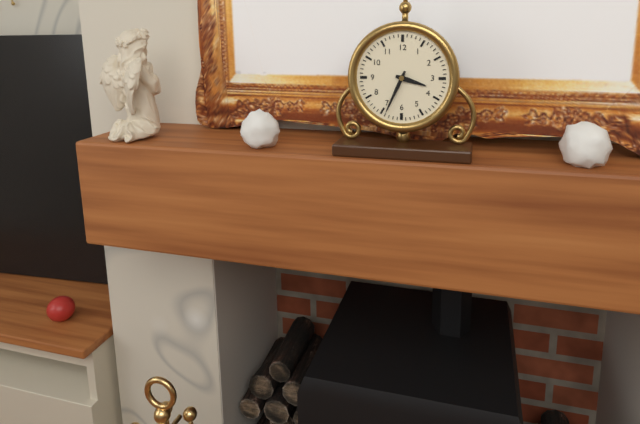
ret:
3.34
